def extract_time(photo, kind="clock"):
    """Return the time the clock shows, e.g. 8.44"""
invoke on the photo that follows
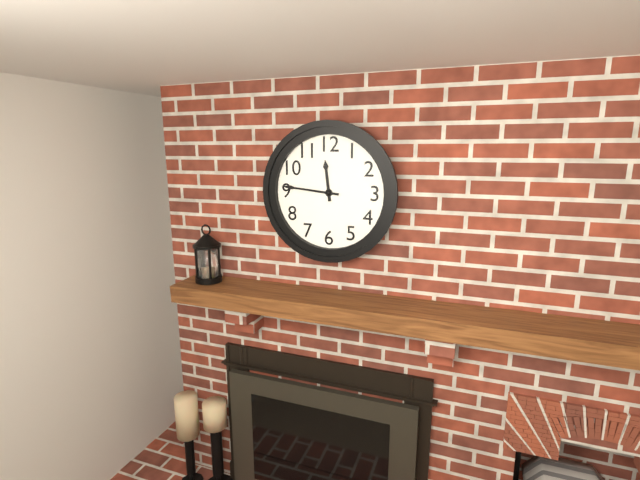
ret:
11.46
